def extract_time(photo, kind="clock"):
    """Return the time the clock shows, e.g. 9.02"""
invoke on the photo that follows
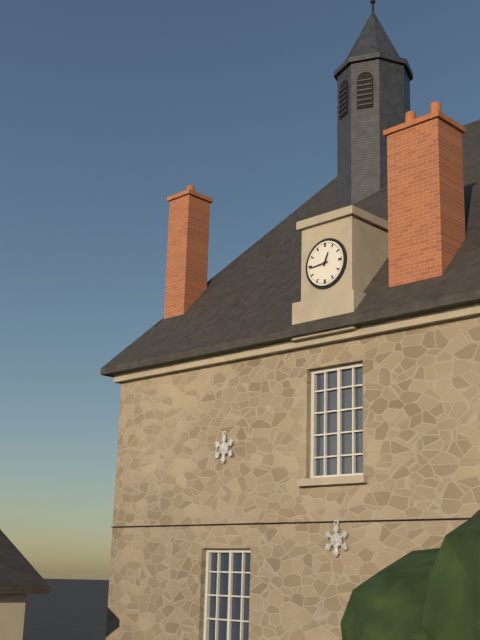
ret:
12.44
